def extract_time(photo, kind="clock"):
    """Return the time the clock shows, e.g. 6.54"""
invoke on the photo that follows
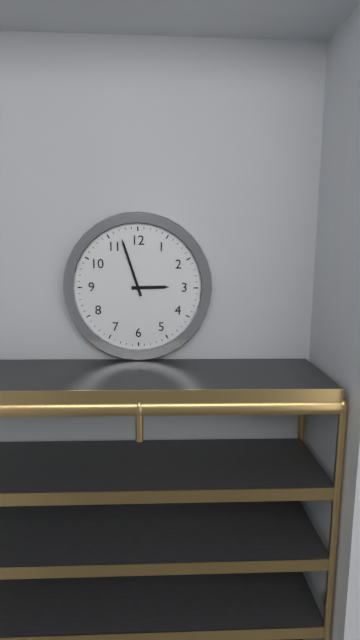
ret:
2.57
